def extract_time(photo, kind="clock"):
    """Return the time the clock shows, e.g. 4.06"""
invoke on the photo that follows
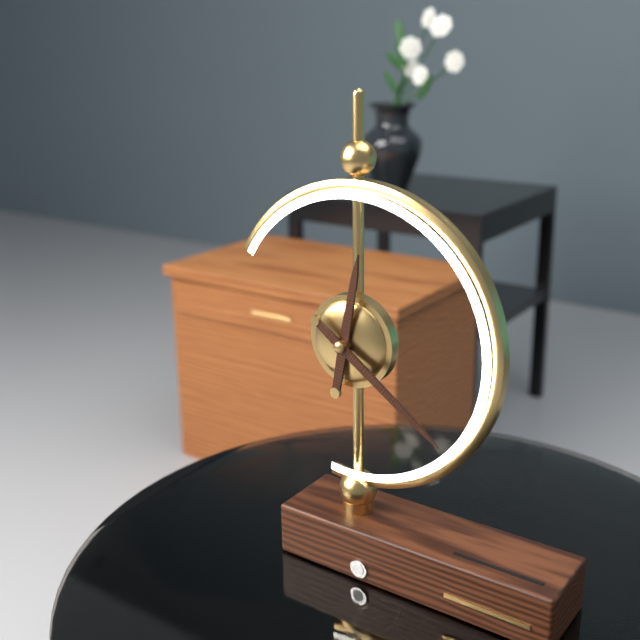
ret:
12.21
